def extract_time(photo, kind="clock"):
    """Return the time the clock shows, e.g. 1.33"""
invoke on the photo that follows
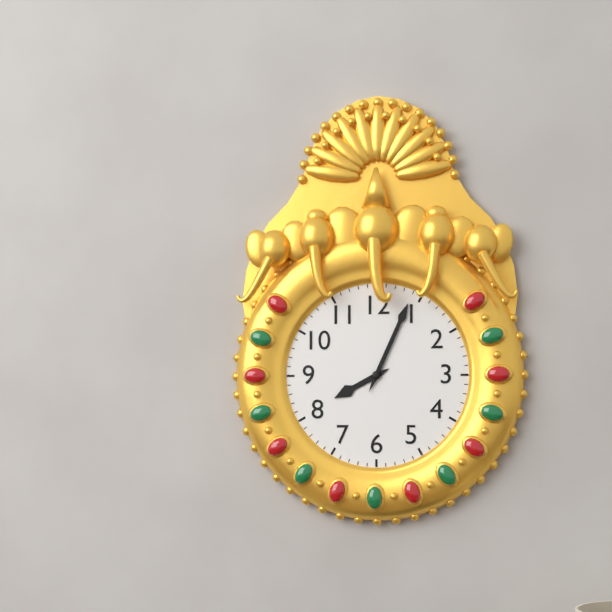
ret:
8.04
